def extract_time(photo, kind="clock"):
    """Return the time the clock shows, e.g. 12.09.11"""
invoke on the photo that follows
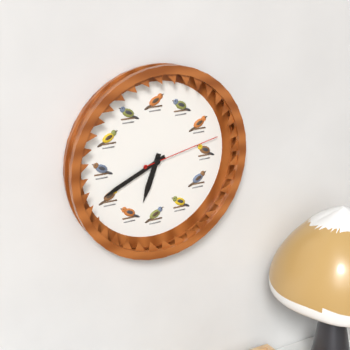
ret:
6.41.13
